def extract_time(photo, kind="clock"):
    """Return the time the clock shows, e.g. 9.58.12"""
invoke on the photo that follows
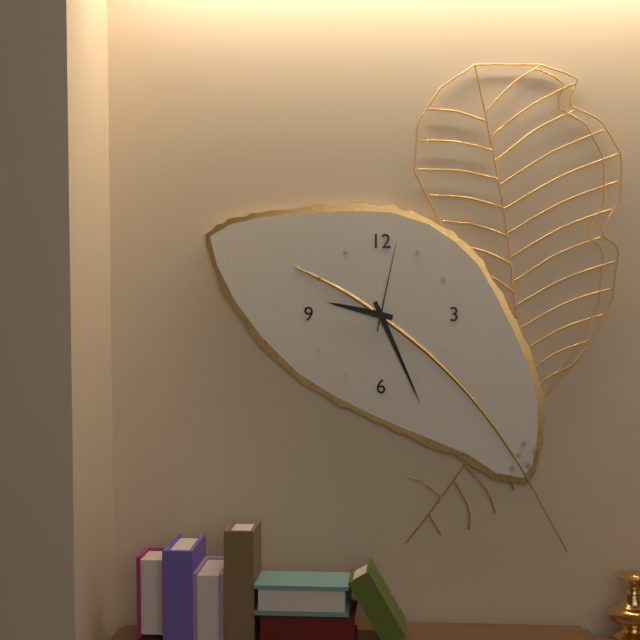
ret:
9.26.02
